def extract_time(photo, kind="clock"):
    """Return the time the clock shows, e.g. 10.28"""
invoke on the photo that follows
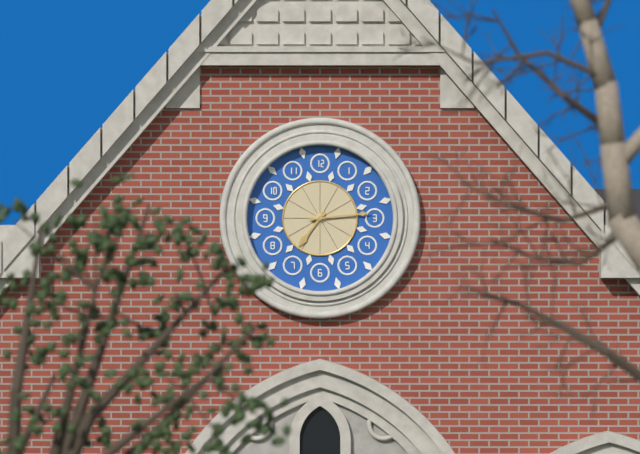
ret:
7.14
